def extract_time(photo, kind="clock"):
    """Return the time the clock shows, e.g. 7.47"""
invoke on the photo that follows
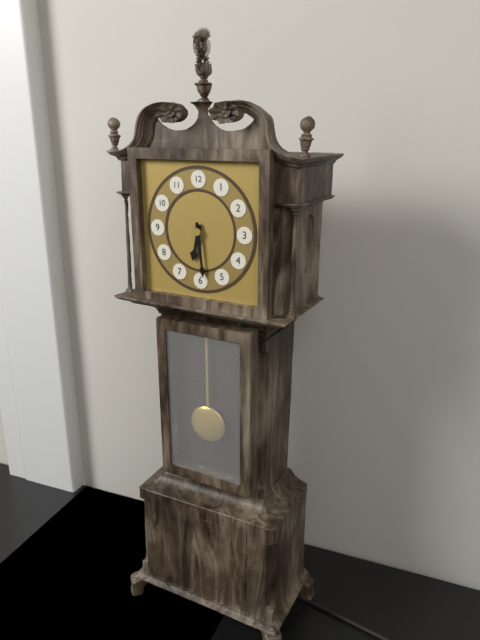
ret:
6.29
